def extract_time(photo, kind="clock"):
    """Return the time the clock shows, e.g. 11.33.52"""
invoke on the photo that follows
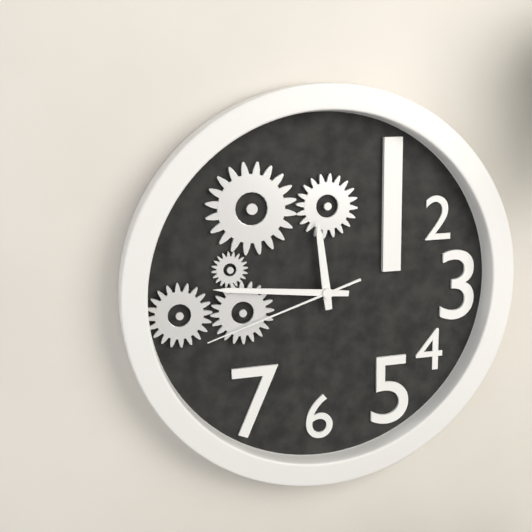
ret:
11.46.42
